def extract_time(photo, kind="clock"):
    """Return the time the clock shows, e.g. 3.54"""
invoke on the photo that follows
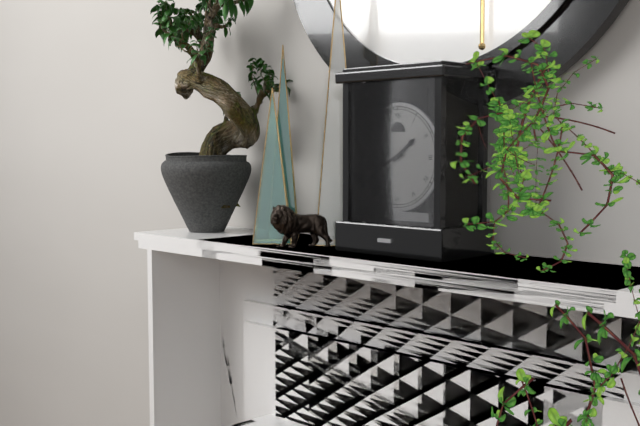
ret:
1.42
